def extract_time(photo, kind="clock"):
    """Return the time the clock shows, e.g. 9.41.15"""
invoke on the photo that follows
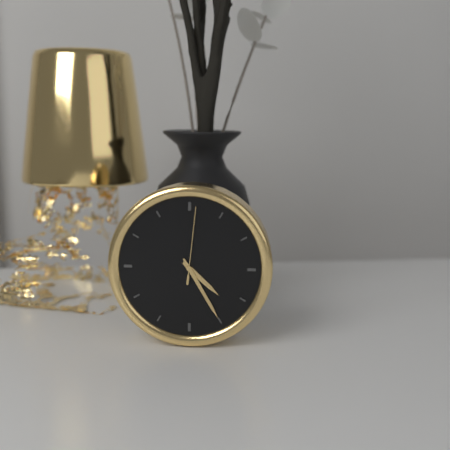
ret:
4.25.01
